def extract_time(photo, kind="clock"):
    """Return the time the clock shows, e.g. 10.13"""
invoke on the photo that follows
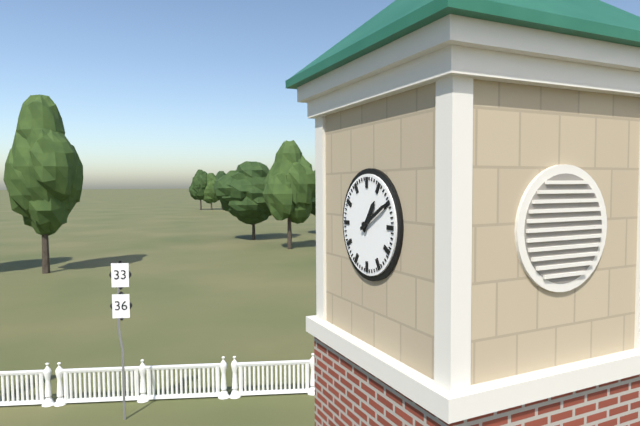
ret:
1.10
